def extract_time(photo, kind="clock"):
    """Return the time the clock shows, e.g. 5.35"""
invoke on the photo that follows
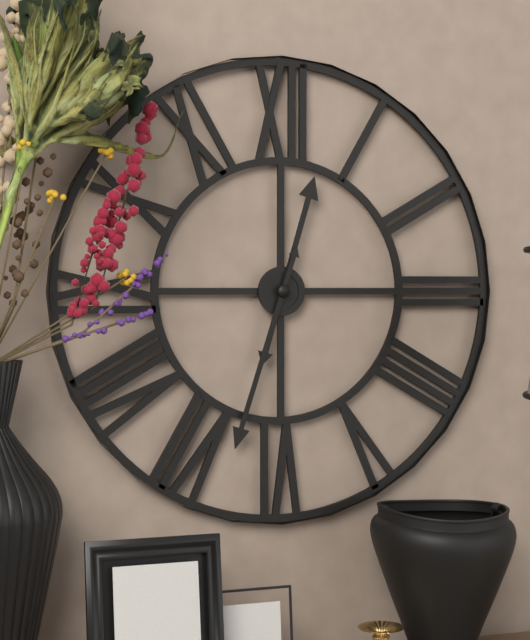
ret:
12.33
